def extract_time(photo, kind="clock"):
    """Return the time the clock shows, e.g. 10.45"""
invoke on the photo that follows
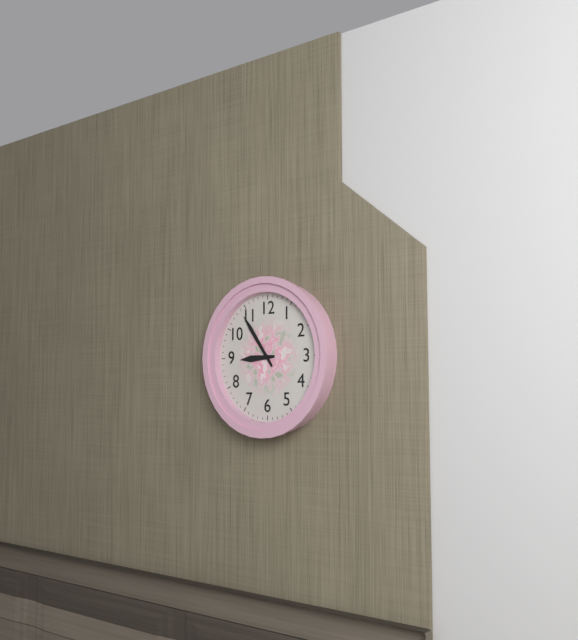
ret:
8.54
